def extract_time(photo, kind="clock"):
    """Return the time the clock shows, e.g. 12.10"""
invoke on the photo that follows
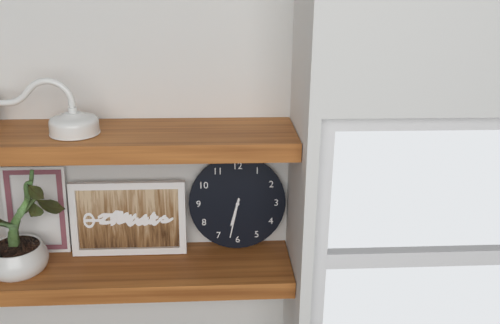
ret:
6.32
